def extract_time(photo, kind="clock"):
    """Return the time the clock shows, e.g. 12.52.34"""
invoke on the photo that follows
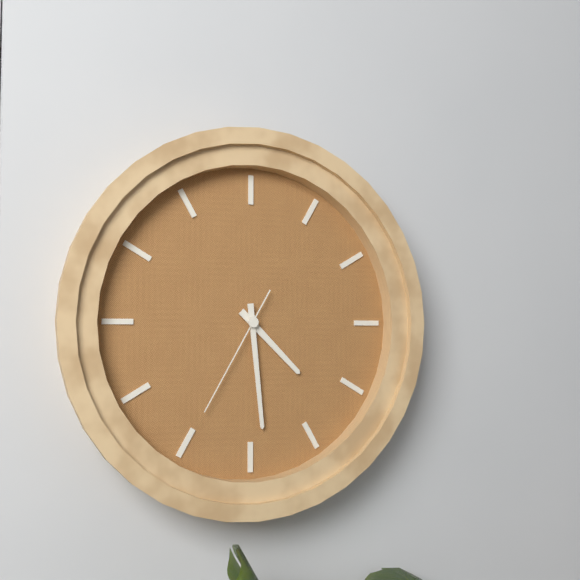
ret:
4.29.35
